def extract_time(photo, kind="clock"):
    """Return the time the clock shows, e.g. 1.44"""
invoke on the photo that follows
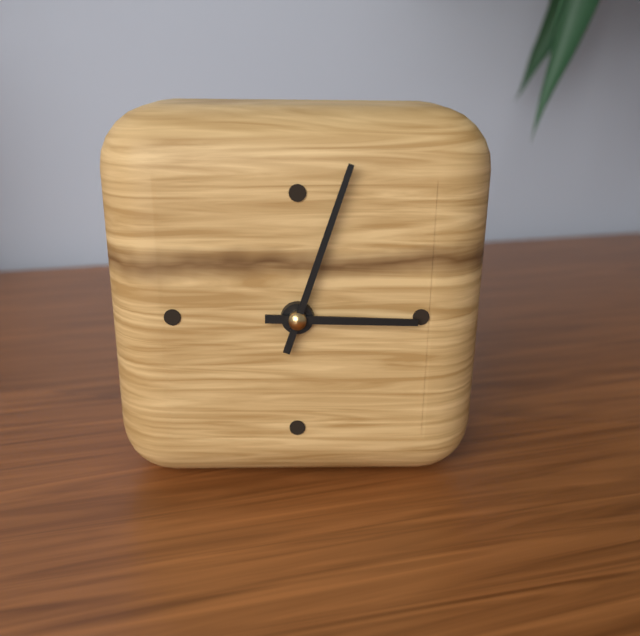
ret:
3.03
